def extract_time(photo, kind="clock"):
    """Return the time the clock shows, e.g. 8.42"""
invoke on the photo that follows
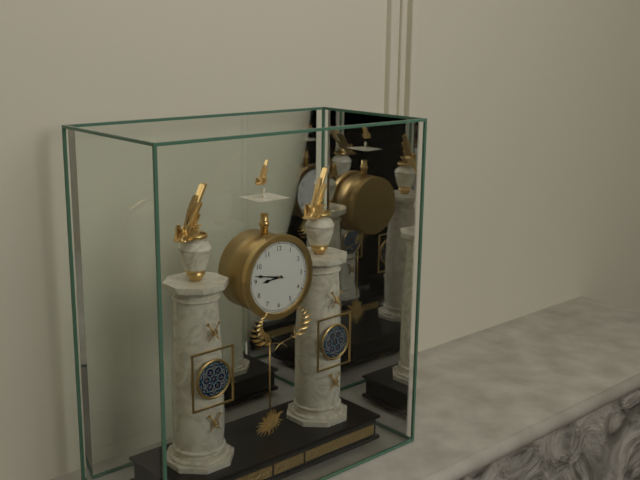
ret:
8.47
